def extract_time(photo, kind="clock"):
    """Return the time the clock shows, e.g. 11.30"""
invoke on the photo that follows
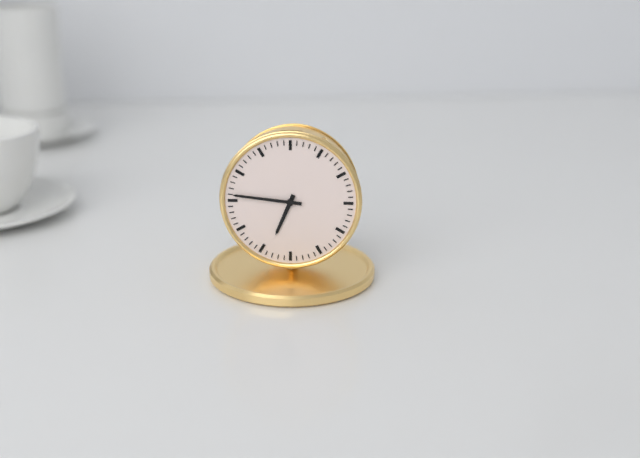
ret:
6.46
